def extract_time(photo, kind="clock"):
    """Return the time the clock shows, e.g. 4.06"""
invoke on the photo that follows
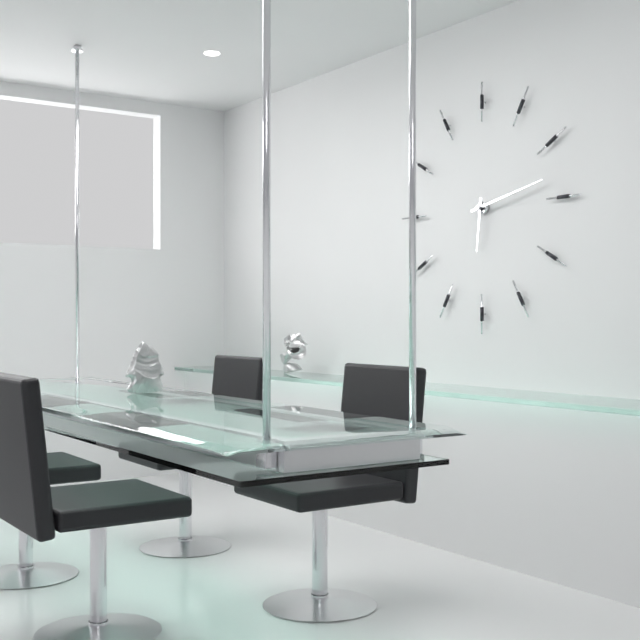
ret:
6.13
